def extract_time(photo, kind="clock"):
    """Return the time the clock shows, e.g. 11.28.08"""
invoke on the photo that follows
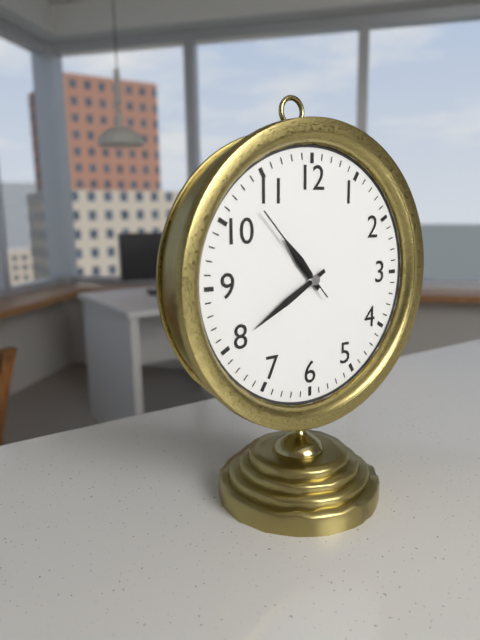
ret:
10.40.53
